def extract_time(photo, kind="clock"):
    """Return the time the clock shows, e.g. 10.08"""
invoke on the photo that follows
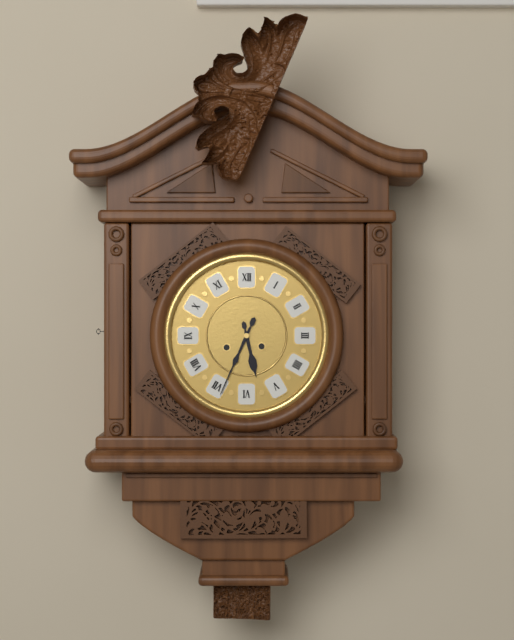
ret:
5.34
